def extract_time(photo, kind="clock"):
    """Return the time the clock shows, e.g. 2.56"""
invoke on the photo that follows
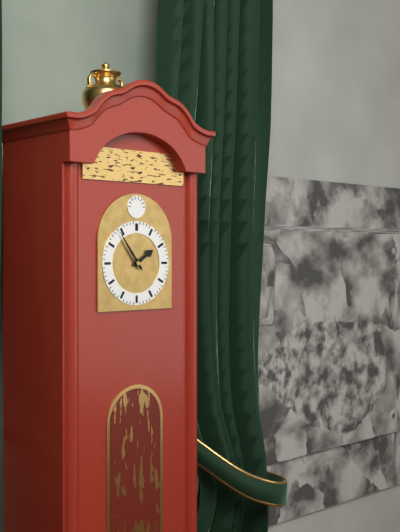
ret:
1.54
